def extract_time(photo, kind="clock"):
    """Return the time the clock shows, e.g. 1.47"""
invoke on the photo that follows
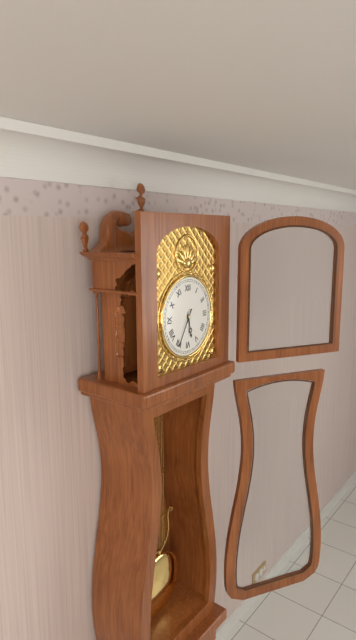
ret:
5.35
